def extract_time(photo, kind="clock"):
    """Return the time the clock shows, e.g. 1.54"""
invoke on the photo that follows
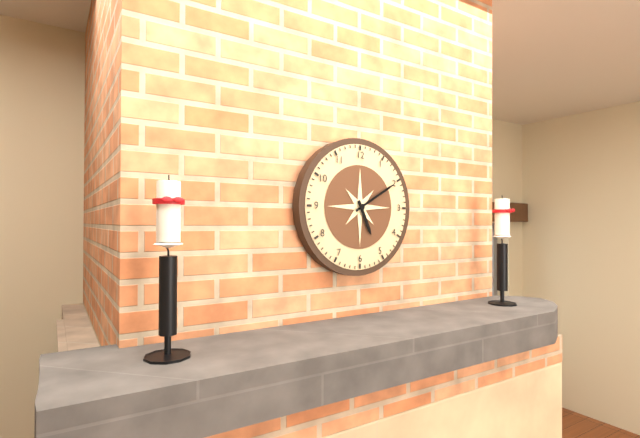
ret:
5.10
